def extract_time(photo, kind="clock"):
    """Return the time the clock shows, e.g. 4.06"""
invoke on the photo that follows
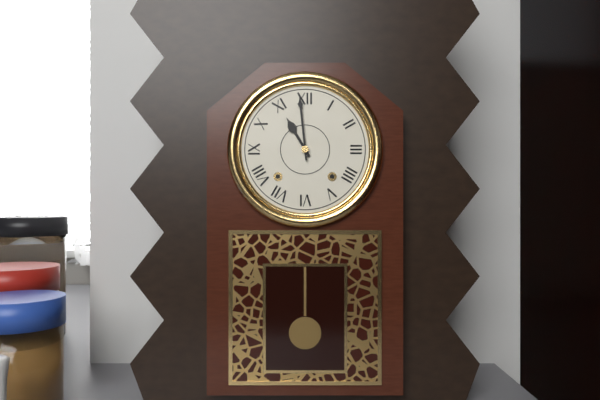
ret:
10.59
